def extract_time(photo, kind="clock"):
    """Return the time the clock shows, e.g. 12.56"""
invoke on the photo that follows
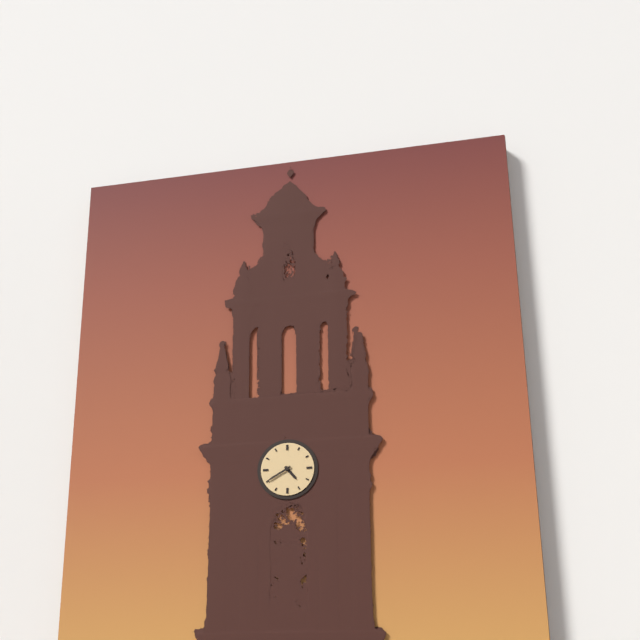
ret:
4.40
